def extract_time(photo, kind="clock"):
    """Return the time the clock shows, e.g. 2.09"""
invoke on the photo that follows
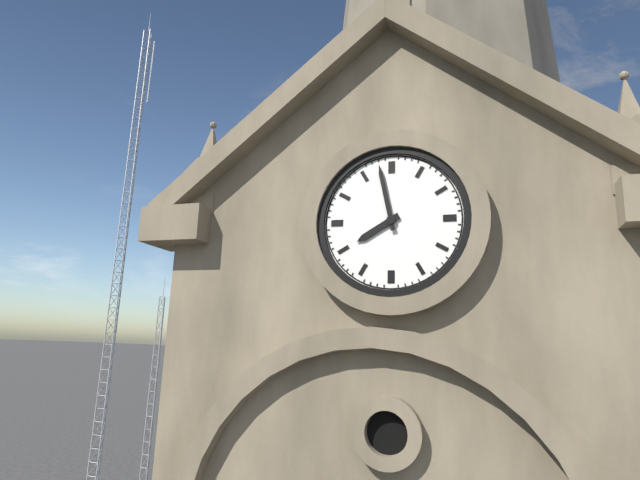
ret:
7.58
